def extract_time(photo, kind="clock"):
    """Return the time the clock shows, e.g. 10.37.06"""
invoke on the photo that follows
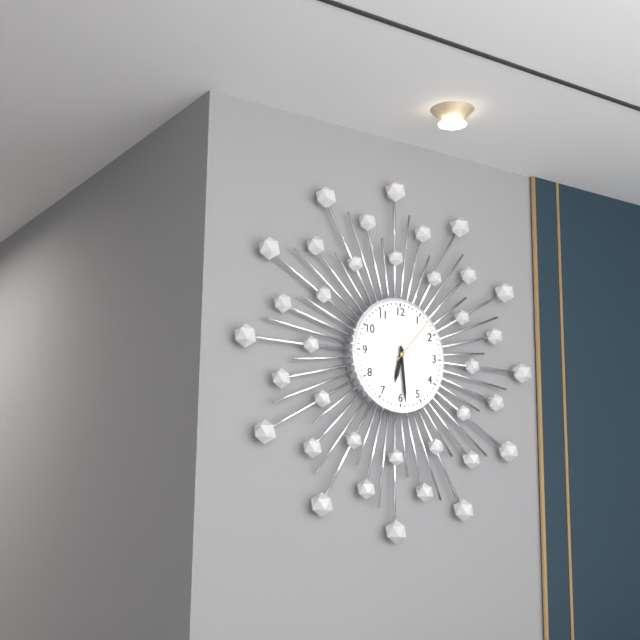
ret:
6.29.07
